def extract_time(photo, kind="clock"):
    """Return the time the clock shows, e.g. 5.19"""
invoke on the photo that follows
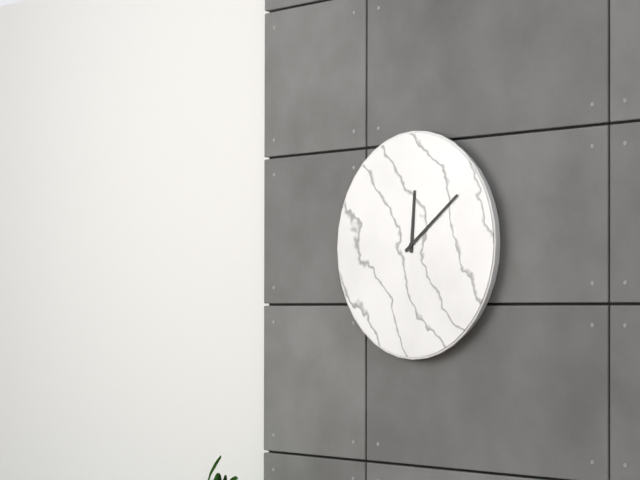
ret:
12.09
